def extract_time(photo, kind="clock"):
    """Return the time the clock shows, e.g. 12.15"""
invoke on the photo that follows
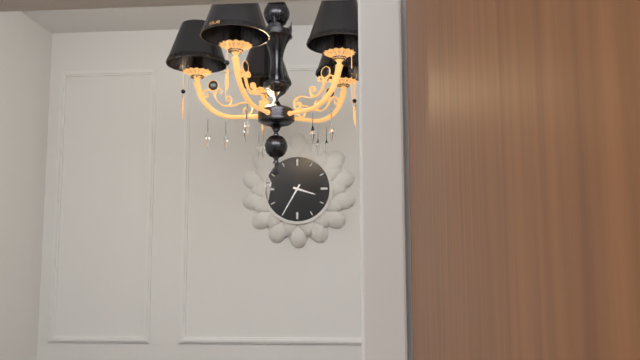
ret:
3.35
